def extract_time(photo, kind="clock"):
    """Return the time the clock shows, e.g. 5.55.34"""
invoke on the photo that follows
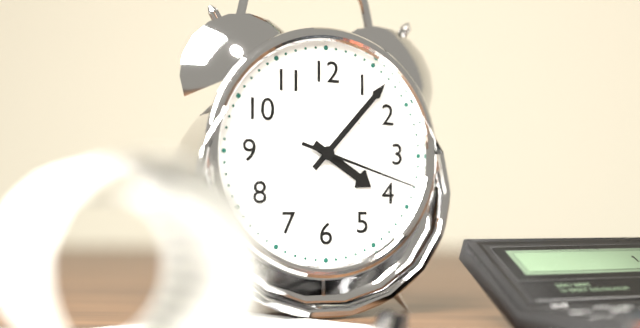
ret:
4.07.18
